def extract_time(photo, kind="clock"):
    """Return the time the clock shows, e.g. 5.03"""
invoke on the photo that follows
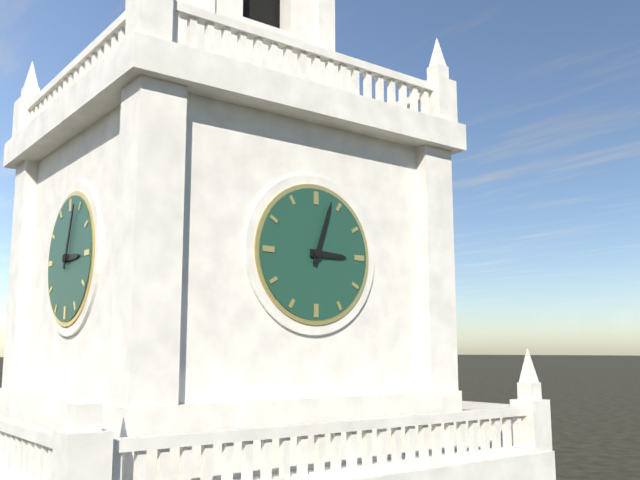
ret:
3.03
